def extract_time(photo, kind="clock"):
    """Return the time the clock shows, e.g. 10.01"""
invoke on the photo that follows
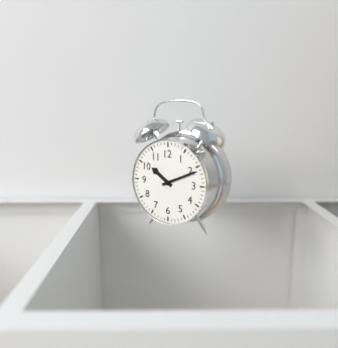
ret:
10.11
